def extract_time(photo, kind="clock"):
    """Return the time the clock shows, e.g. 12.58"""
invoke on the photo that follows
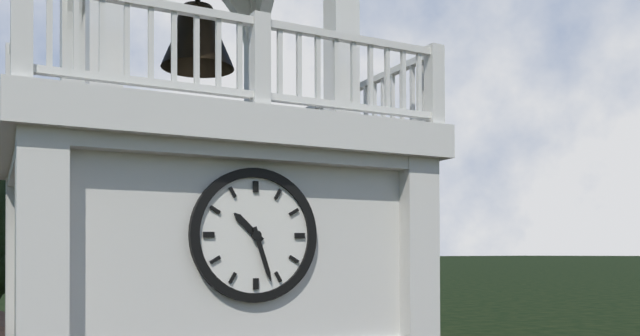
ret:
10.27
